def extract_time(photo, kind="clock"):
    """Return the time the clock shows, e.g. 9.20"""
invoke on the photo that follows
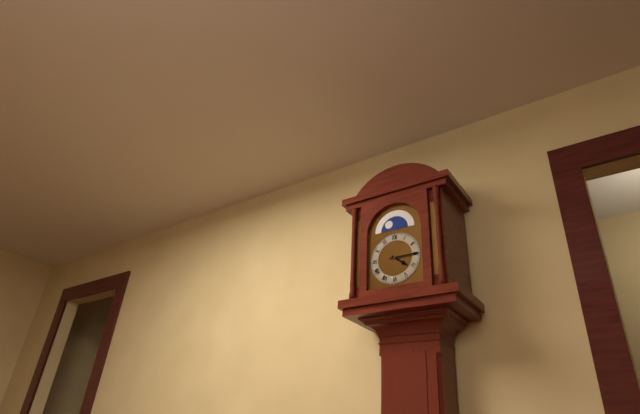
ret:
4.15
